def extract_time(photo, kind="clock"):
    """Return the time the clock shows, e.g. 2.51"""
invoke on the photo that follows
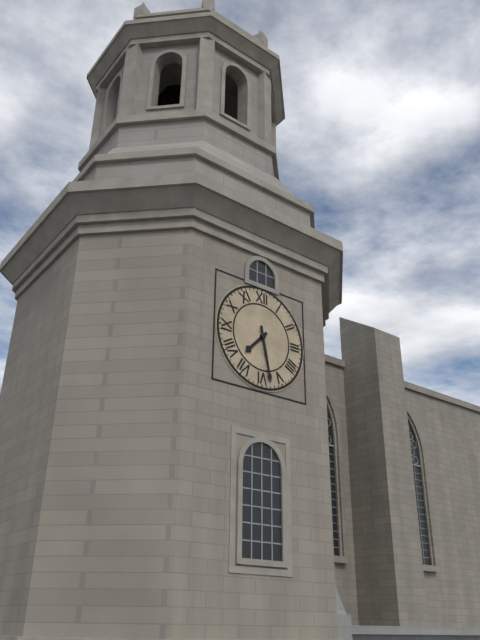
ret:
7.28
